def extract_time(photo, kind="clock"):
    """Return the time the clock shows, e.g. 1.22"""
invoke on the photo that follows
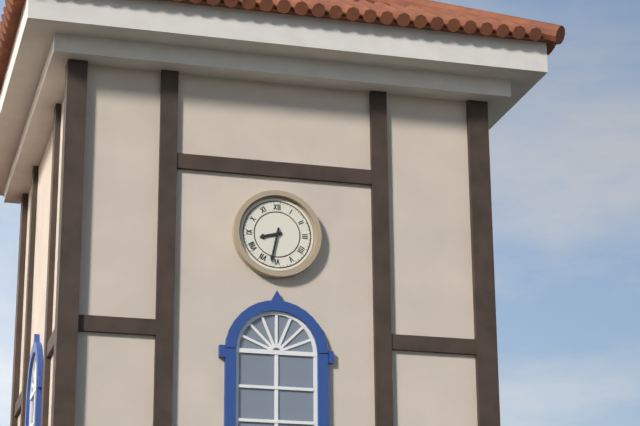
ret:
8.32
